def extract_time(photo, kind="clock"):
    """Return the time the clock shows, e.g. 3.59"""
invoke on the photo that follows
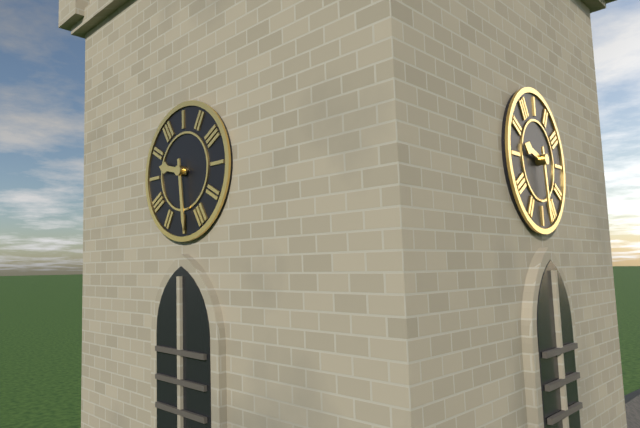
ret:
9.29
